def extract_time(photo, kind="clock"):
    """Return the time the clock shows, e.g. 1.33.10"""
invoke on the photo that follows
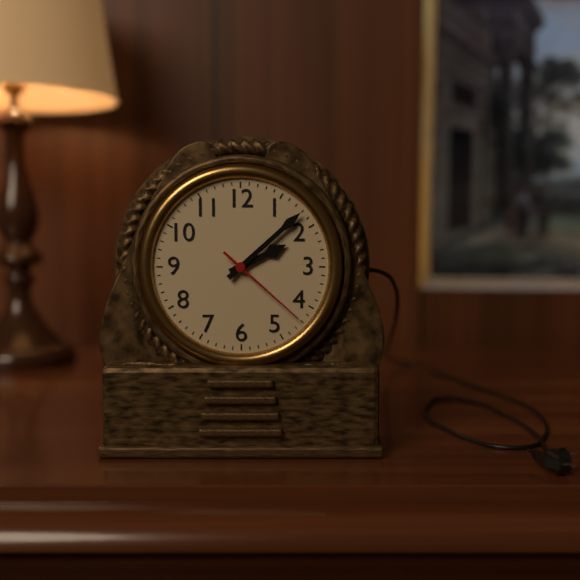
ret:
2.08.22
